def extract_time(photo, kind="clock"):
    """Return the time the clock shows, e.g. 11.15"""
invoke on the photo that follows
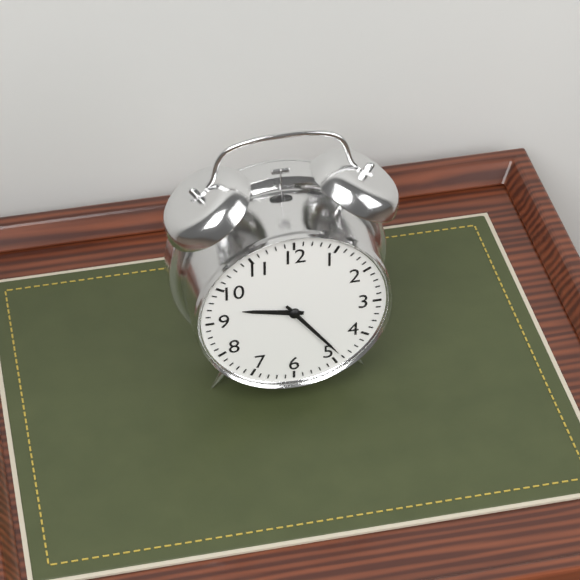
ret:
9.24
